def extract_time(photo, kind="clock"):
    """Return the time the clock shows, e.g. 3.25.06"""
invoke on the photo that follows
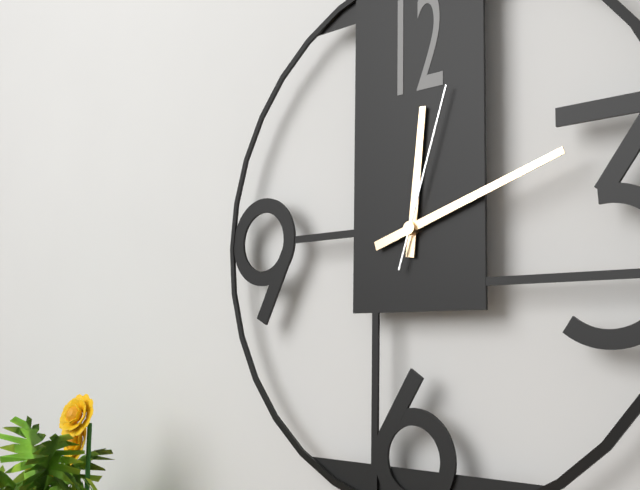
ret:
12.12.03
